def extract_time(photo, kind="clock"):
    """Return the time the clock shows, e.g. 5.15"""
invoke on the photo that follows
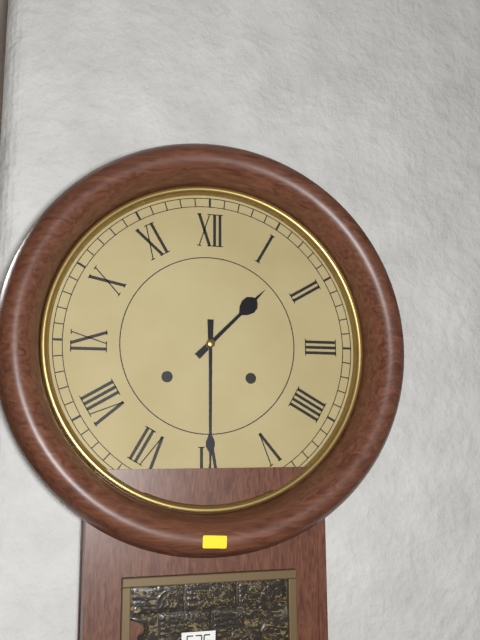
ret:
1.30
